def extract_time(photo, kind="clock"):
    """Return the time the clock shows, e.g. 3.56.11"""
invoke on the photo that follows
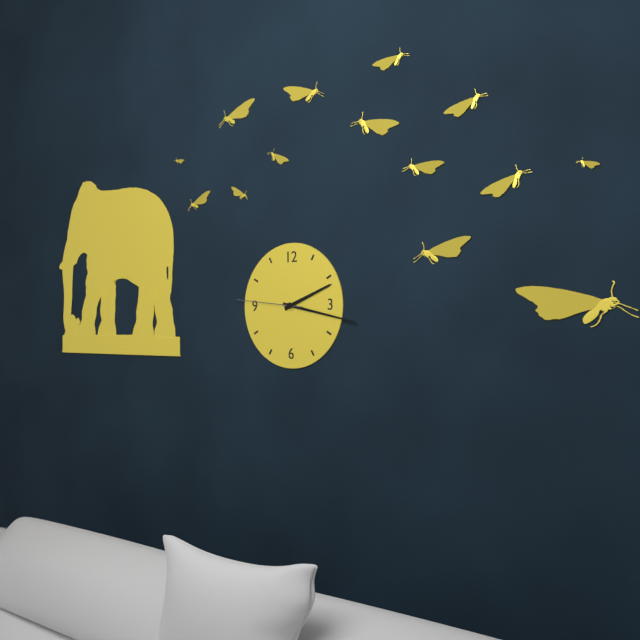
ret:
2.17.46
